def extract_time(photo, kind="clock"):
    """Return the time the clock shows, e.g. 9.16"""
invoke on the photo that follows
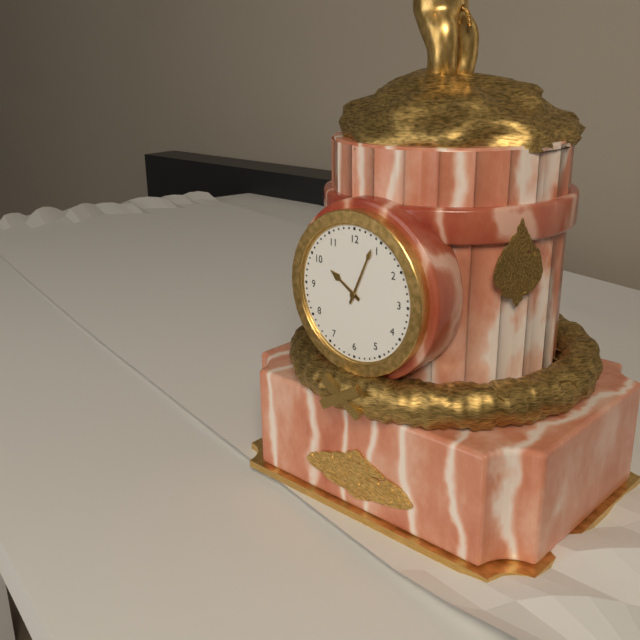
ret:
10.04
